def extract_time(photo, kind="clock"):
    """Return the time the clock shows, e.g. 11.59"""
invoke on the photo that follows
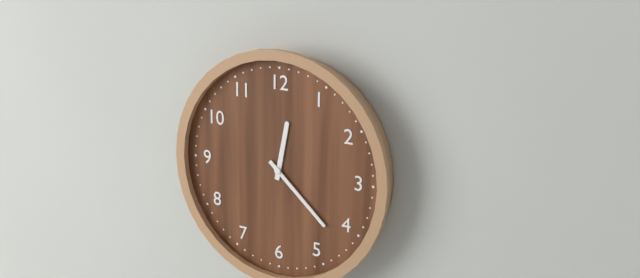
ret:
12.22
